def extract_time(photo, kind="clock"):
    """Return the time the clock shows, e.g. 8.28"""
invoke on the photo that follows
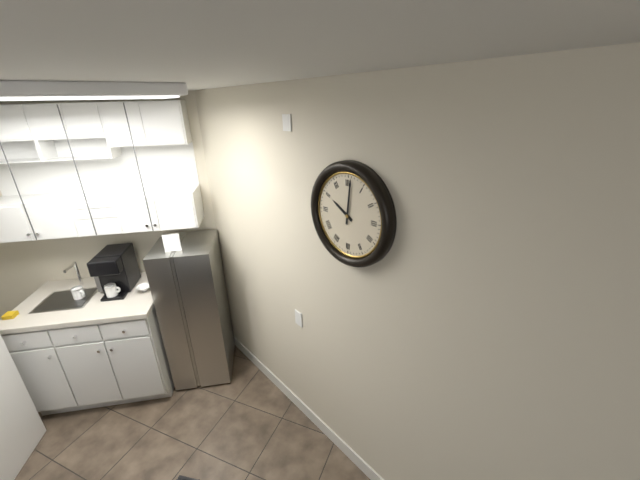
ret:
10.01
